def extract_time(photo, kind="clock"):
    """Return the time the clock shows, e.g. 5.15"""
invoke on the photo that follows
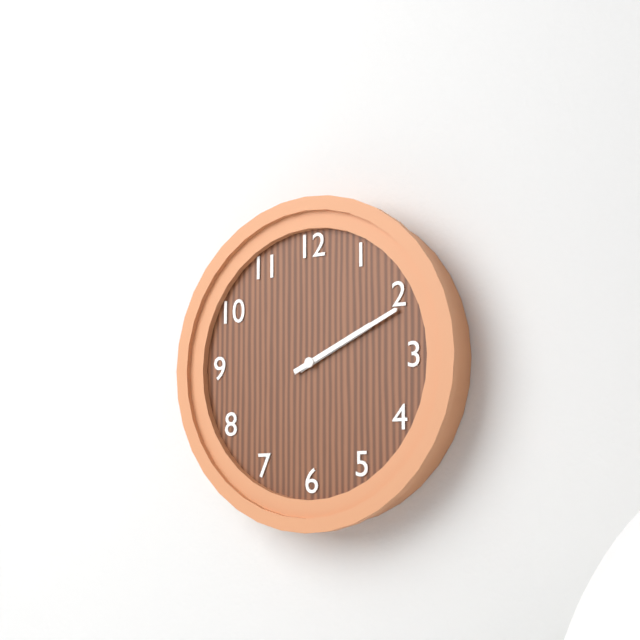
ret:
2.11
